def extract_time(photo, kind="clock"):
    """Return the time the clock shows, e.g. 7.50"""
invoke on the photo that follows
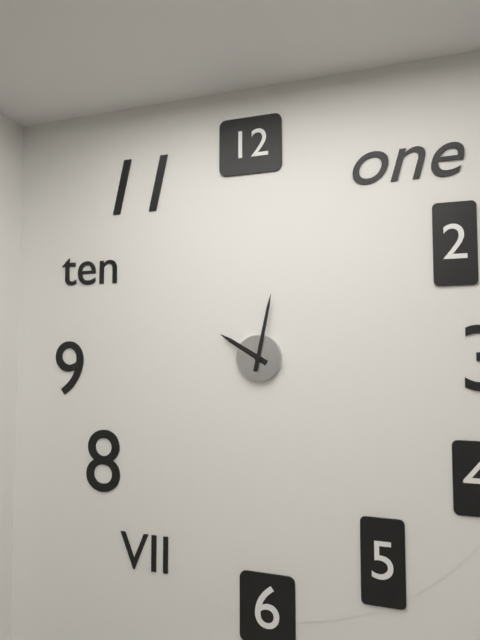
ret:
10.02
